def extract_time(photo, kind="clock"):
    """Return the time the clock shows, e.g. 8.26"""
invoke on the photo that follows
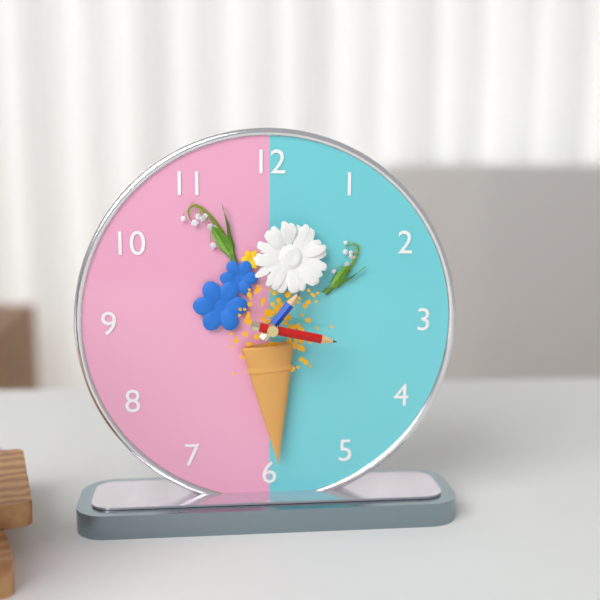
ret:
1.17
